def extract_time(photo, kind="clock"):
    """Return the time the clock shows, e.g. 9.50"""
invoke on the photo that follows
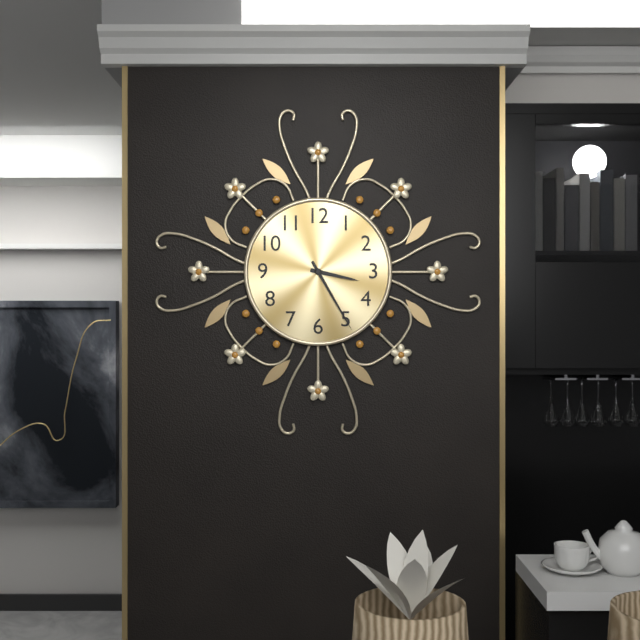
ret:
3.25
